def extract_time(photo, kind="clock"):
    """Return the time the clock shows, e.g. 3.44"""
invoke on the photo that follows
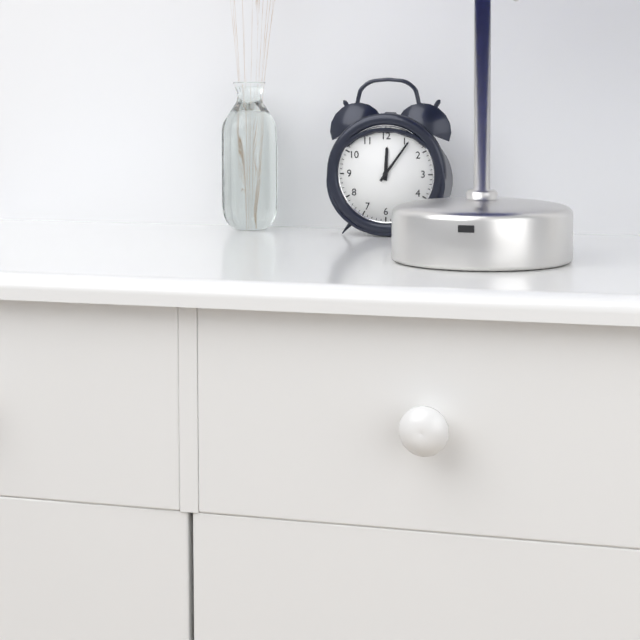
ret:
12.06
